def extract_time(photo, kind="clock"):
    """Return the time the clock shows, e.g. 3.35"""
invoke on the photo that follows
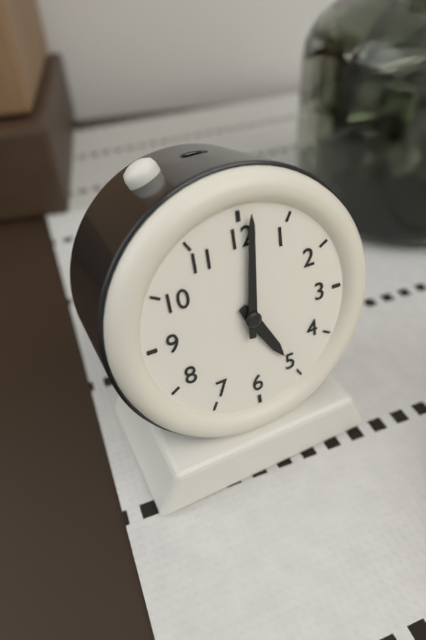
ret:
5.01
